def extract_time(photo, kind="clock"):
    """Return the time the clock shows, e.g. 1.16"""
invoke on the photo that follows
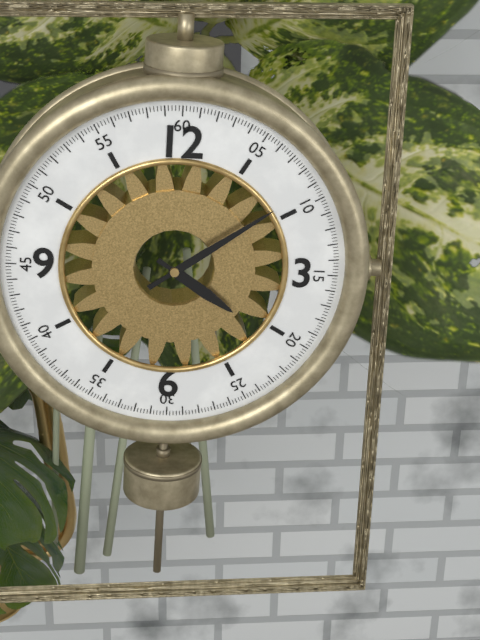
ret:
4.09
